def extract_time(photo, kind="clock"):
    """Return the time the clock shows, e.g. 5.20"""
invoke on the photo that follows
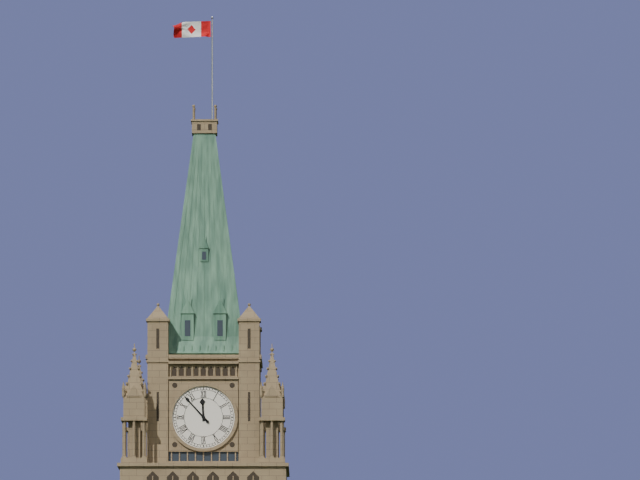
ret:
11.53
